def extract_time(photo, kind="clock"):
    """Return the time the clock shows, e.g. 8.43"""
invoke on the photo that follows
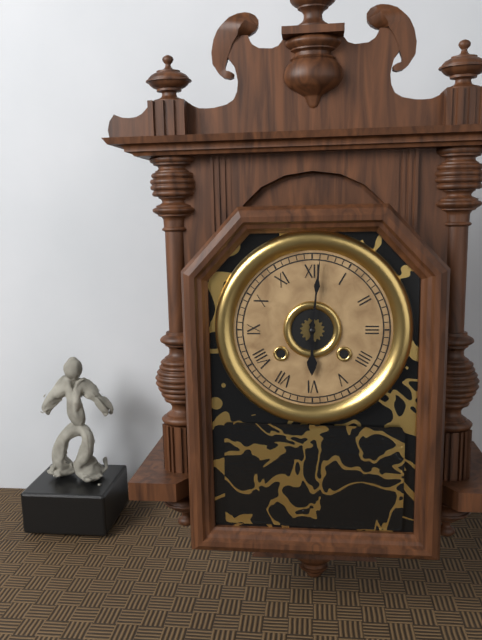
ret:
6.01
